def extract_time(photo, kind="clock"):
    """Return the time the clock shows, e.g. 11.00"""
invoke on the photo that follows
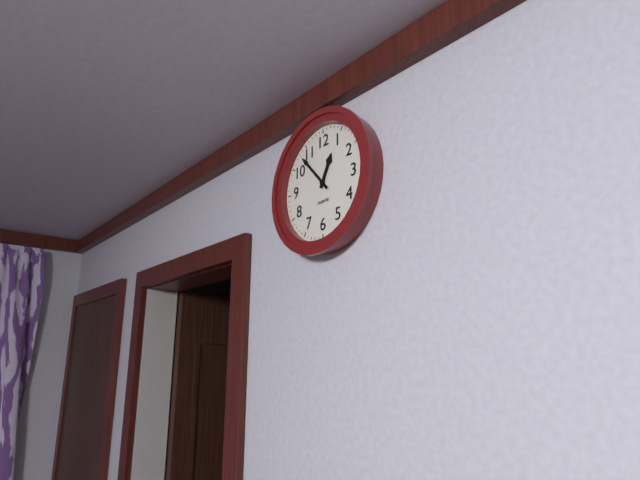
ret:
12.53
